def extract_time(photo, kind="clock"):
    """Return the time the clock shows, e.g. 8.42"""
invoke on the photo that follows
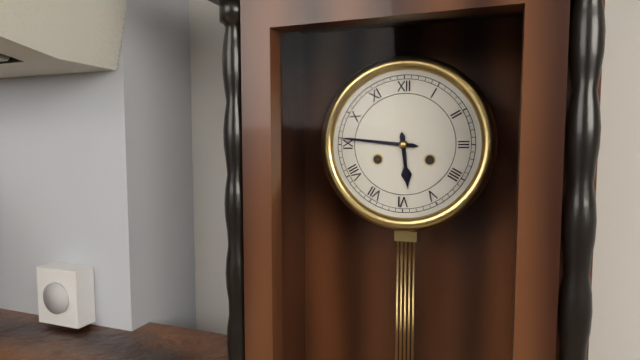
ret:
5.46
